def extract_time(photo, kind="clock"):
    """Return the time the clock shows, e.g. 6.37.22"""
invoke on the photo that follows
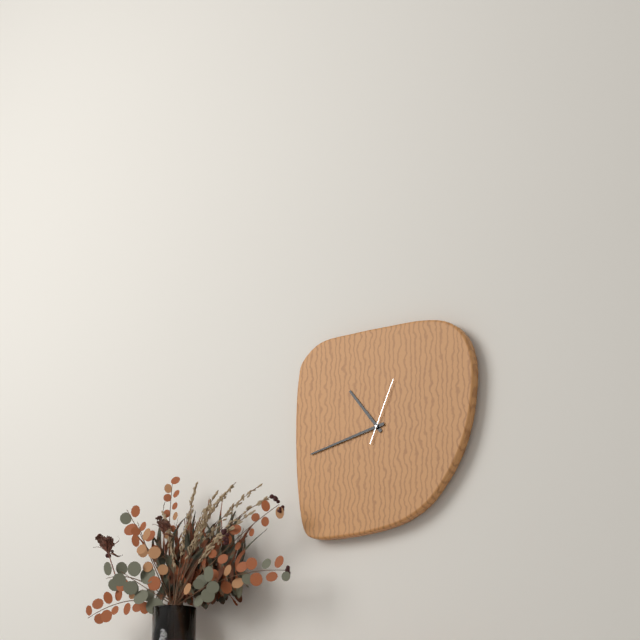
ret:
10.43.04
